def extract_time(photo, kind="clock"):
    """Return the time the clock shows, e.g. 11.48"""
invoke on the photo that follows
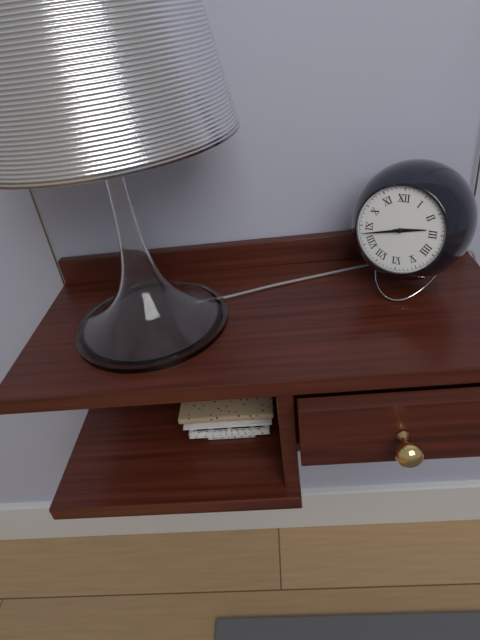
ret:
2.43
